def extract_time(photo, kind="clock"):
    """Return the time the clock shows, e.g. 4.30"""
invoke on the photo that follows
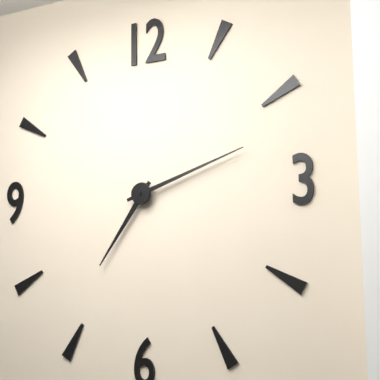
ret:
7.12
